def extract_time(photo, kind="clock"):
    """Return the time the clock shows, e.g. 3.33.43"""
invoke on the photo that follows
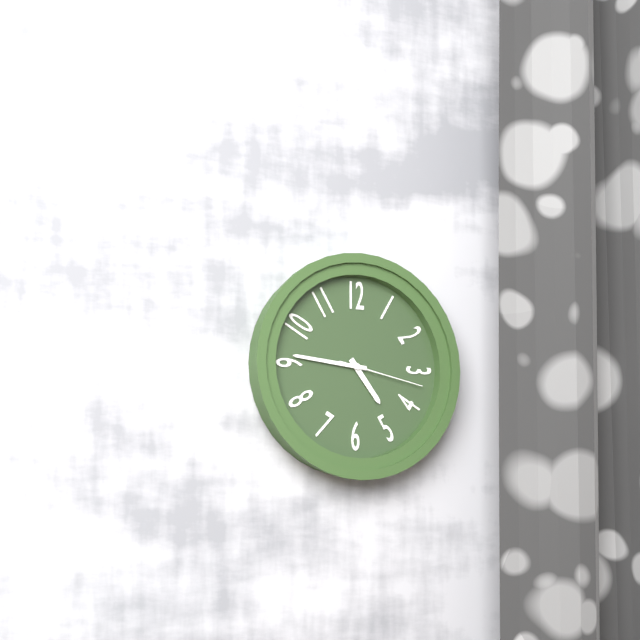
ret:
4.46.17
